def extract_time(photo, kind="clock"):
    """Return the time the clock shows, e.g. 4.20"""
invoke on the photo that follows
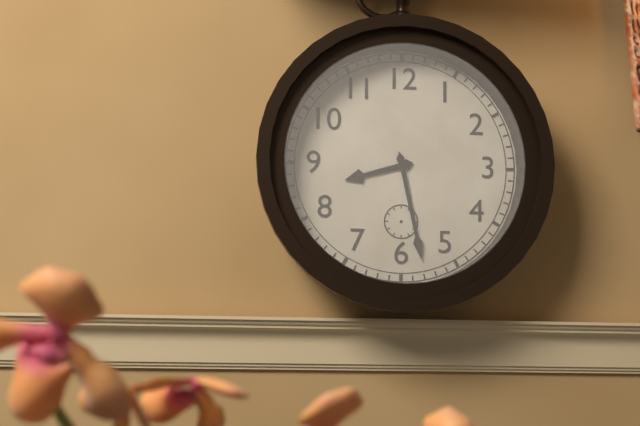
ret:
8.28
